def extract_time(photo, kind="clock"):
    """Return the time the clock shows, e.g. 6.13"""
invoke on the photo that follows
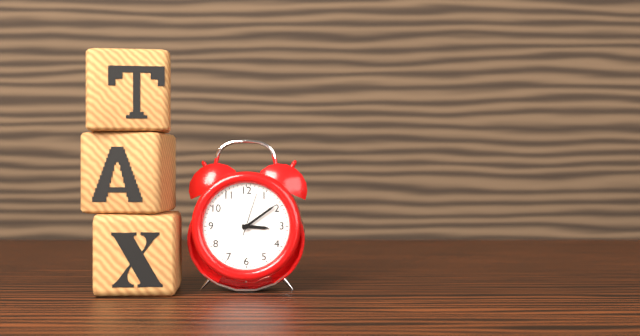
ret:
3.09
